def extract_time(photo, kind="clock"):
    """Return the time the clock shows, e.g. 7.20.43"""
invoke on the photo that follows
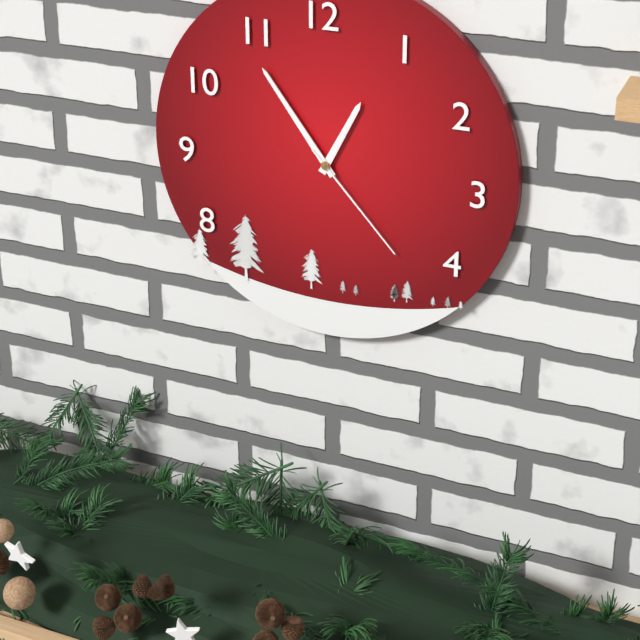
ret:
12.54.23
